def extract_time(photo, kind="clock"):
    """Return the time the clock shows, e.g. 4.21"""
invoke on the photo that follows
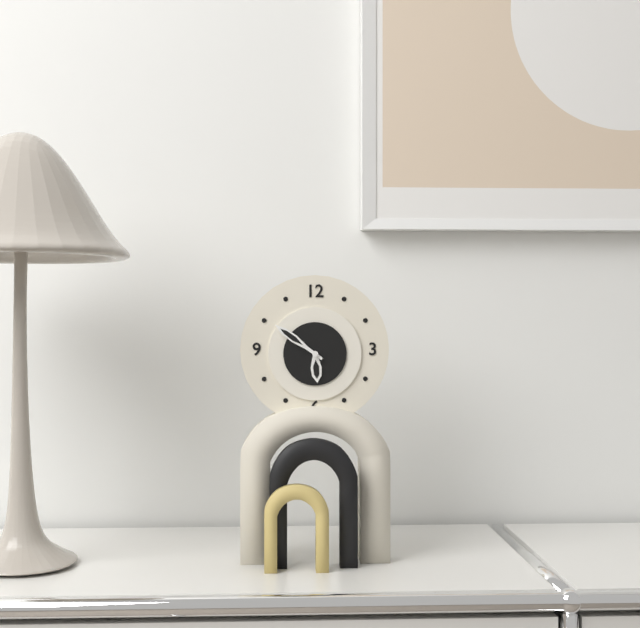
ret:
5.51
